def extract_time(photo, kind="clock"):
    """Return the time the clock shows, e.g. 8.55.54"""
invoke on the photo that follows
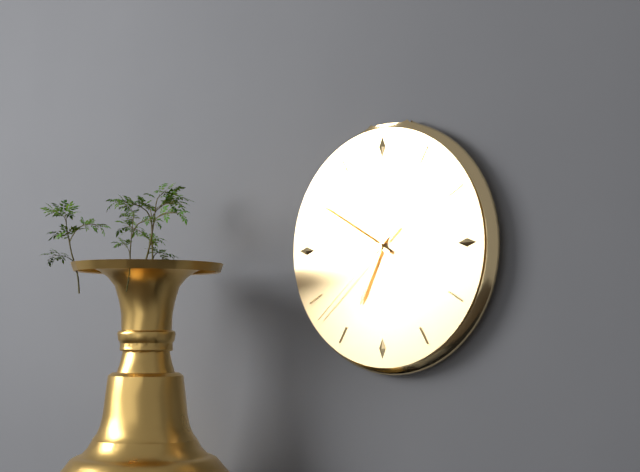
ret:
6.50.38
